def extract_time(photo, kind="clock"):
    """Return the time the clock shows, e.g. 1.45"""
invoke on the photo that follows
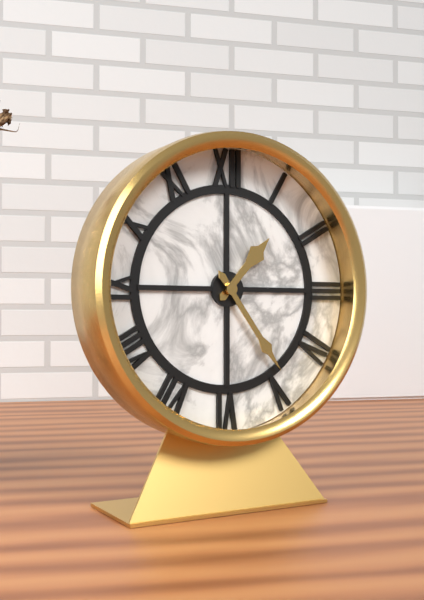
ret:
1.24
